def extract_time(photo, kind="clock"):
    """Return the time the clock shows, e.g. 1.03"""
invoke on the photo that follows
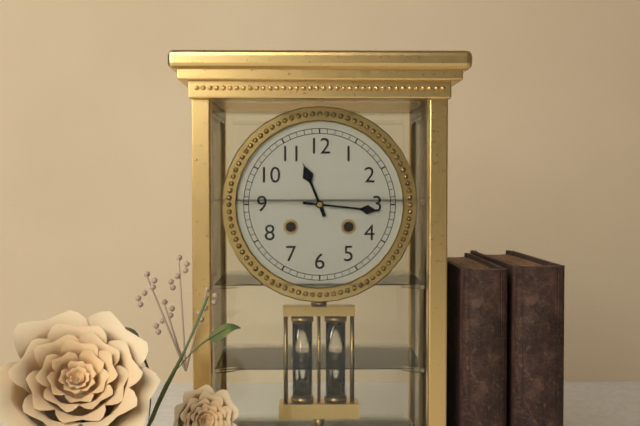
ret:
11.16
